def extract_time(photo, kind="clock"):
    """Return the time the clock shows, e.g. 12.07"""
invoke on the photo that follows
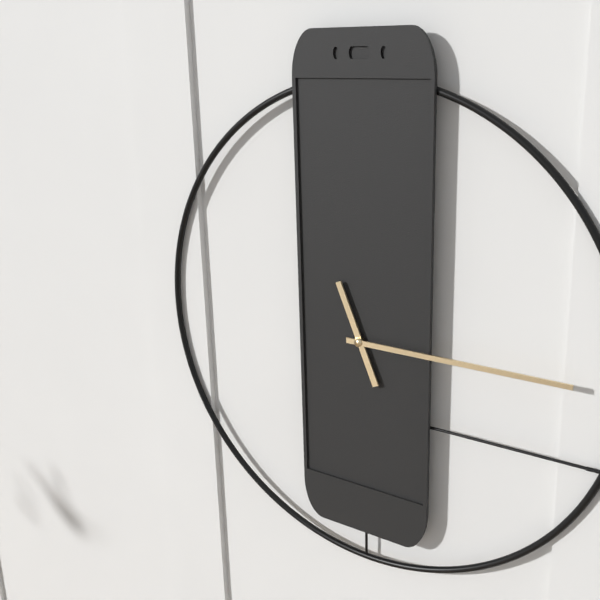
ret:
11.15
